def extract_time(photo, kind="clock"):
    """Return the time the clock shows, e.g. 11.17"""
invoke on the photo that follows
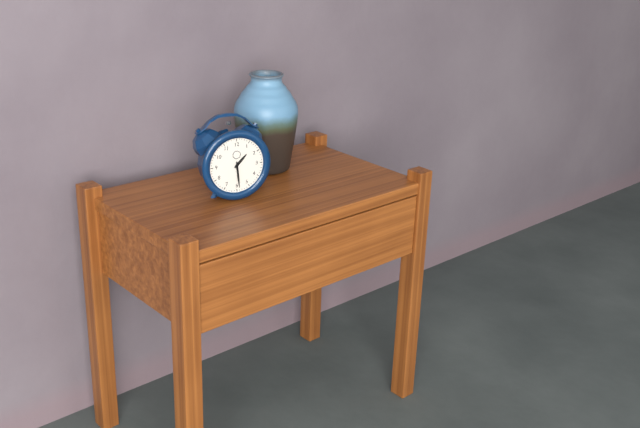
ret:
1.29
